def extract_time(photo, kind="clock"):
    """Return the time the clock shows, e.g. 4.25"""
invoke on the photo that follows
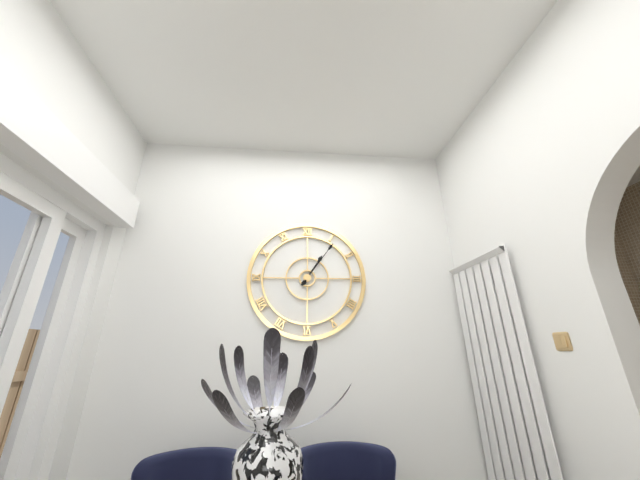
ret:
1.06
